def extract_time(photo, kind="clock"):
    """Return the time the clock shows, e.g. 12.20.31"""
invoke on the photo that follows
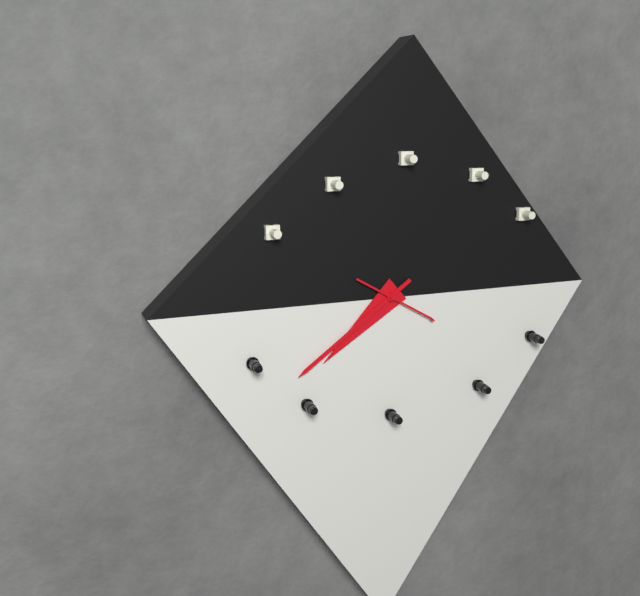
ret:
7.39.20
